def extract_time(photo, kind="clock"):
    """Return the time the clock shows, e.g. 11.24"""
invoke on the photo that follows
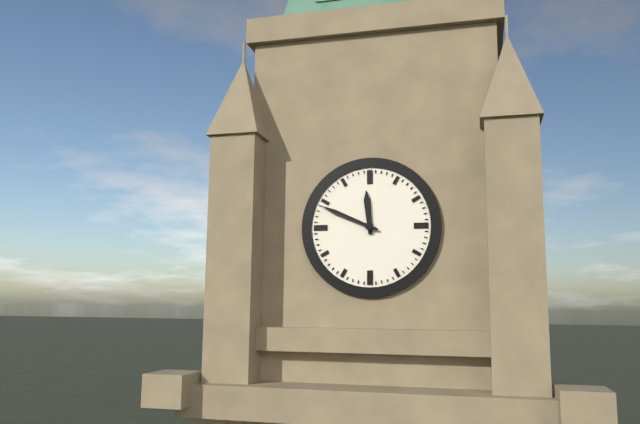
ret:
11.49
